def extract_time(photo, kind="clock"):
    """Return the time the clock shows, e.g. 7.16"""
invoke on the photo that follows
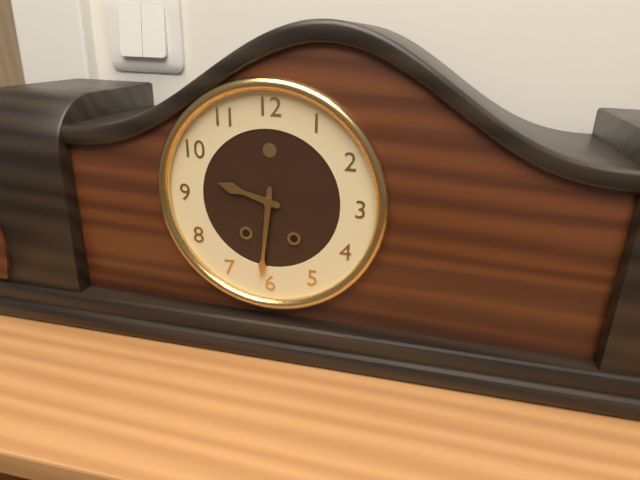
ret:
9.31
